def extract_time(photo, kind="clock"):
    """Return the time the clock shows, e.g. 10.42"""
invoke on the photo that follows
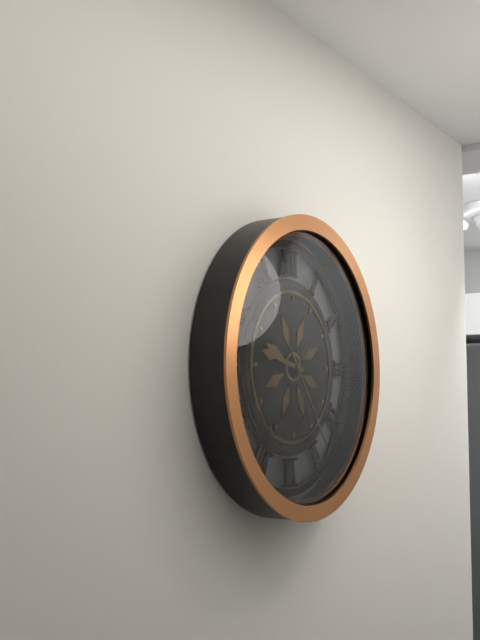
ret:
9.24
